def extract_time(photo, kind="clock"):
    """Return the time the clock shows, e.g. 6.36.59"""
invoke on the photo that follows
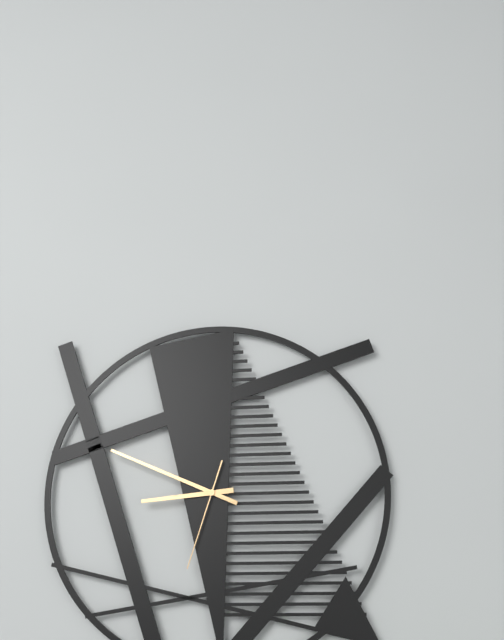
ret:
8.49.33
